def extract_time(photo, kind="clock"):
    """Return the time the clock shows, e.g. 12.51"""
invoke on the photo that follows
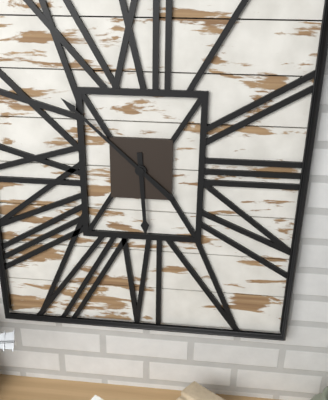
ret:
5.52
